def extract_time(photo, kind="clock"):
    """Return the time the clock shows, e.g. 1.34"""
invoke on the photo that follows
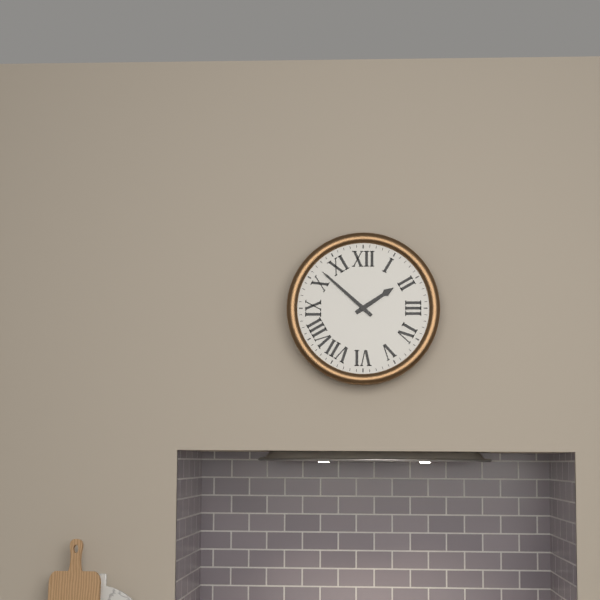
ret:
1.52
